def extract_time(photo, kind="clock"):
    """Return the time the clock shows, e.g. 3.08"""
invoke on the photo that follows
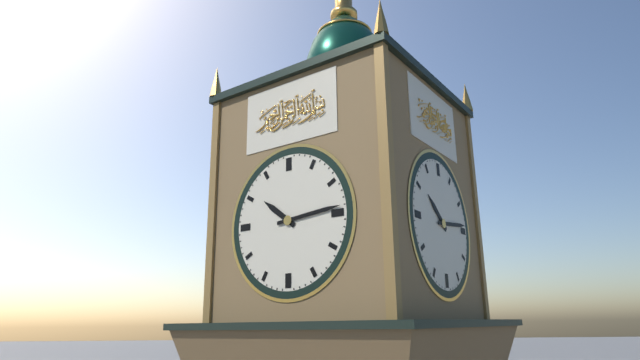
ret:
10.14
